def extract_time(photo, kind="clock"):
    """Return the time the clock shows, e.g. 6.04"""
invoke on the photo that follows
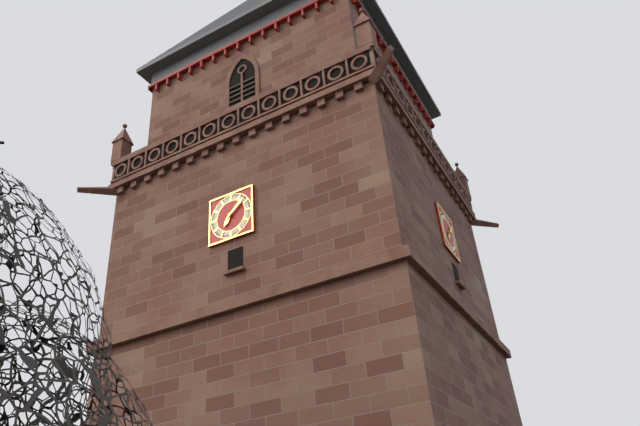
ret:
7.08
